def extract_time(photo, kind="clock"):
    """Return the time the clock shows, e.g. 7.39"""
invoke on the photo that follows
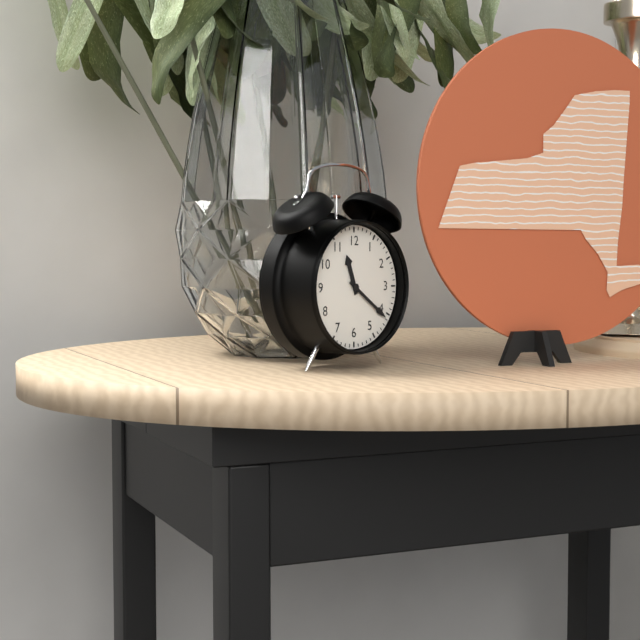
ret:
11.21
